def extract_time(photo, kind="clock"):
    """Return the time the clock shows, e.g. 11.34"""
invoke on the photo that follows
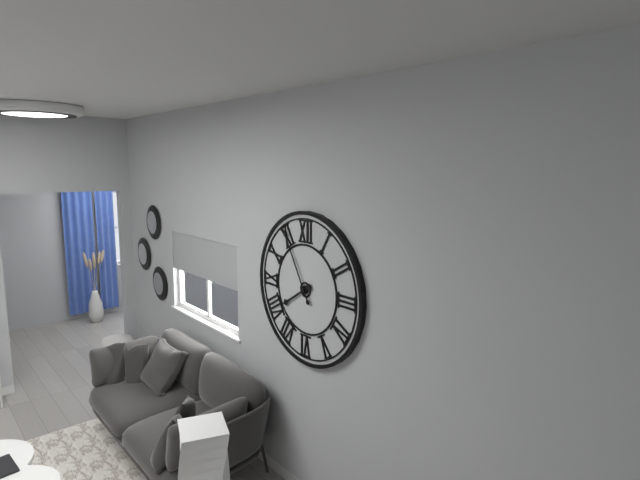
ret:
7.55
